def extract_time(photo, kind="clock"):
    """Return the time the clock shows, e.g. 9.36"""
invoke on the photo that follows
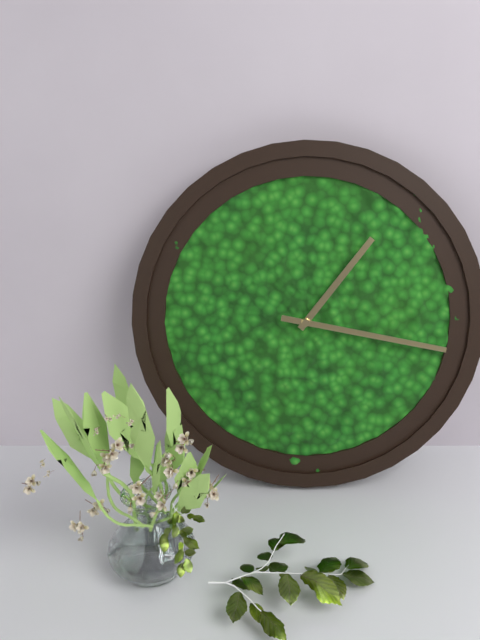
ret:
1.17
